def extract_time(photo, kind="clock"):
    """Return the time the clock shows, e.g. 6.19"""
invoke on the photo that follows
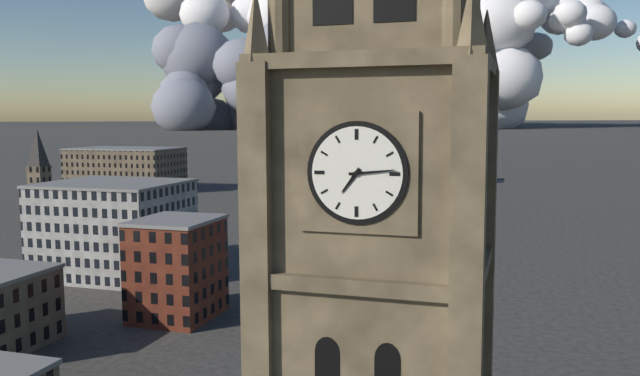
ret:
7.14
